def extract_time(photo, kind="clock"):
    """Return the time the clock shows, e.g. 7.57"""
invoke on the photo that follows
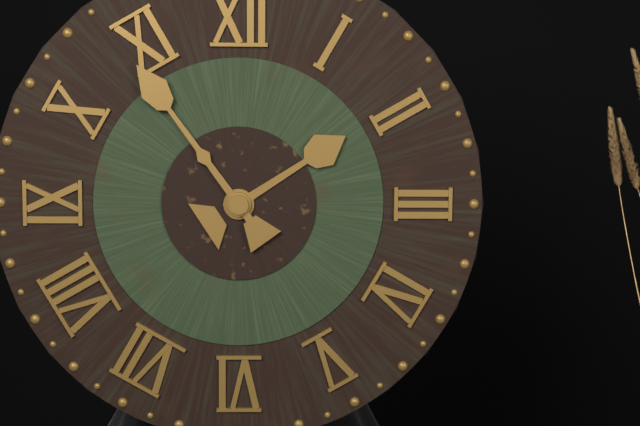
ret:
1.54
